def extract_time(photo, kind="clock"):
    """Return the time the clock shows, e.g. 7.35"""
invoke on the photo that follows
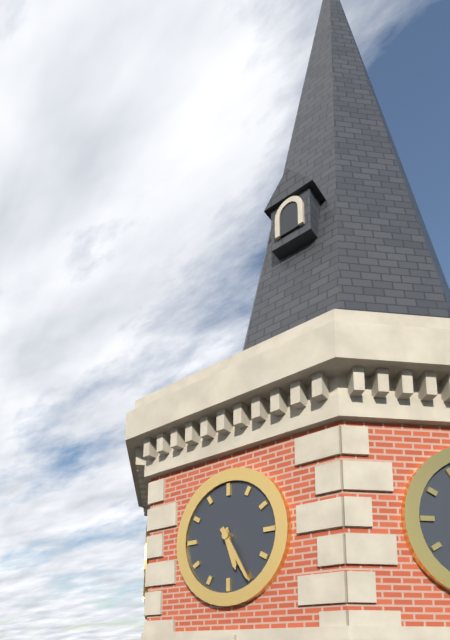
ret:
5.25
